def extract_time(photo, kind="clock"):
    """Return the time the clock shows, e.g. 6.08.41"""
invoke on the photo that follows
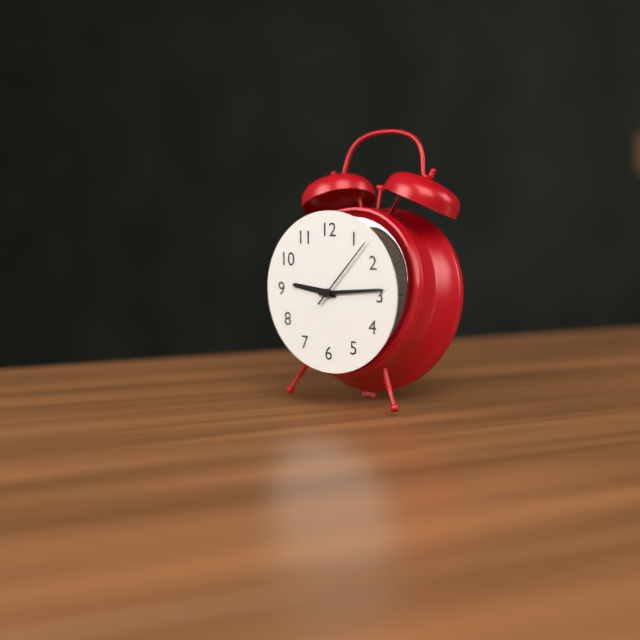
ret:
9.14.07
